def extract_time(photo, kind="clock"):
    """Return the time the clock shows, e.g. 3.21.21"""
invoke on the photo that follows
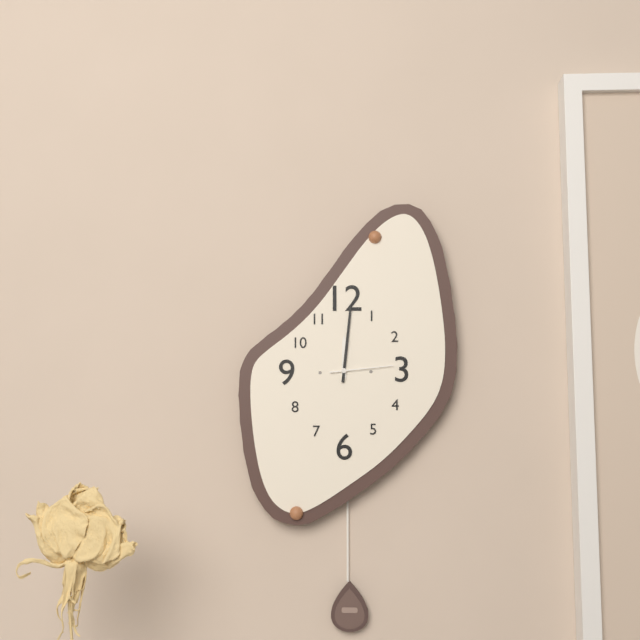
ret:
12.01.14
